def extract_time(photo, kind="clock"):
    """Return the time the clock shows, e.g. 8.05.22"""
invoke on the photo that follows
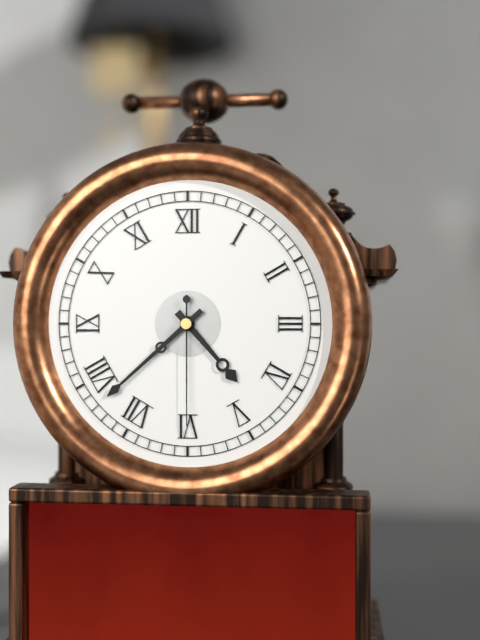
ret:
4.38.30
